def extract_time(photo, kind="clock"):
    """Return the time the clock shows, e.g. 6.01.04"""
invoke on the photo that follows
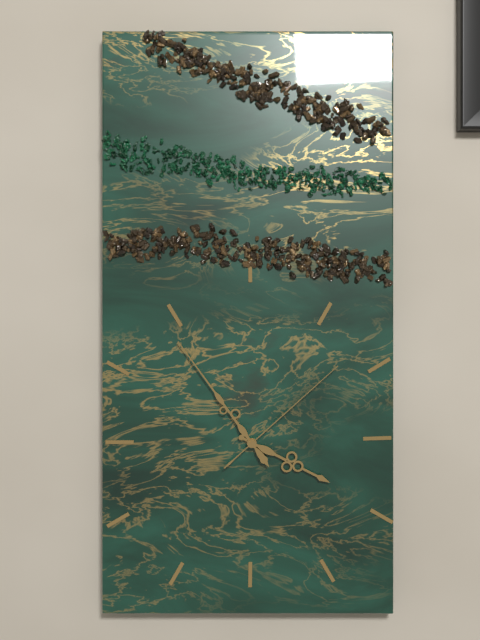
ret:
3.54.08
